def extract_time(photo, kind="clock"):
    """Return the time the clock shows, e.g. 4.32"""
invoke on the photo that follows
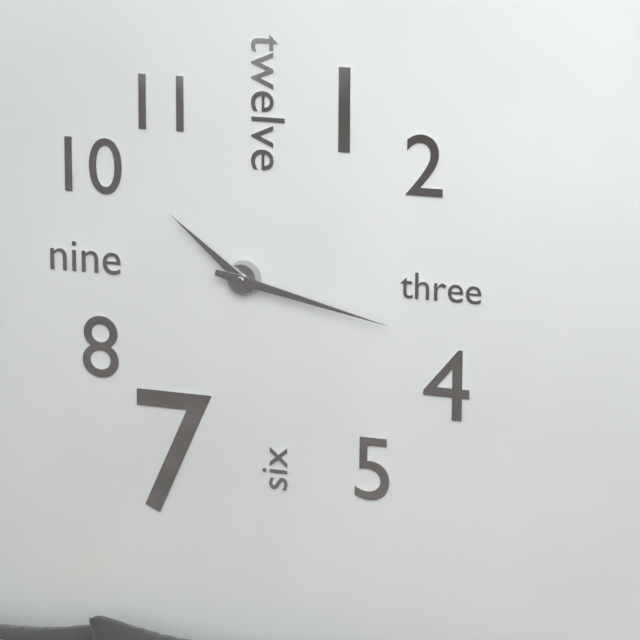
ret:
10.17
